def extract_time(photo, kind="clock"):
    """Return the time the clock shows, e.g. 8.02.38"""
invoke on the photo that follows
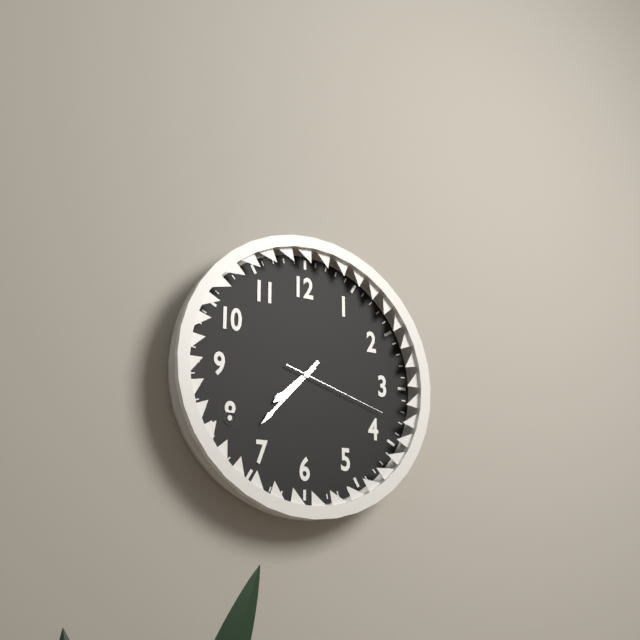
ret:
7.37.18
